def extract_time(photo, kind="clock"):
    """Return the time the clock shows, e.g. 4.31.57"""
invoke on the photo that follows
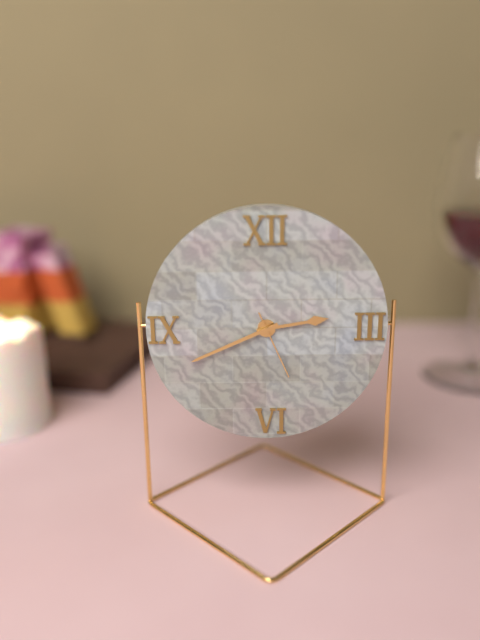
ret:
2.41.26
